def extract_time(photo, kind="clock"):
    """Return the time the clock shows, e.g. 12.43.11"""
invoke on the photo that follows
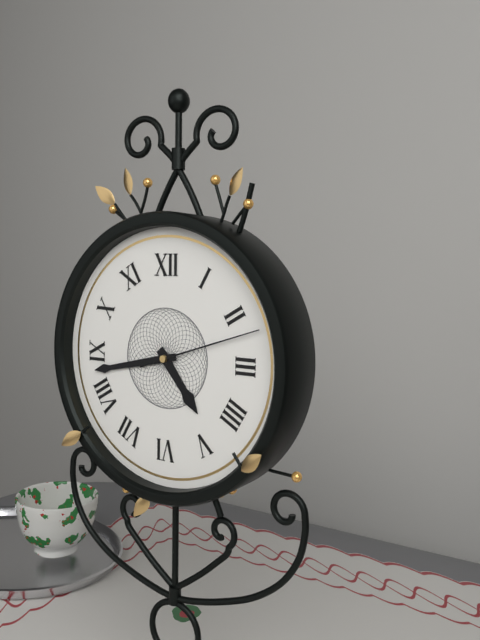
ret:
4.43.12
